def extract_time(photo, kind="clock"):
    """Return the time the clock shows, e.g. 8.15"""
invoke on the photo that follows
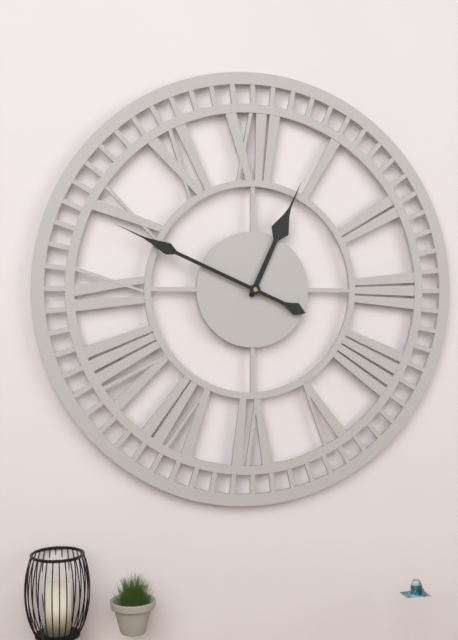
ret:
12.49
